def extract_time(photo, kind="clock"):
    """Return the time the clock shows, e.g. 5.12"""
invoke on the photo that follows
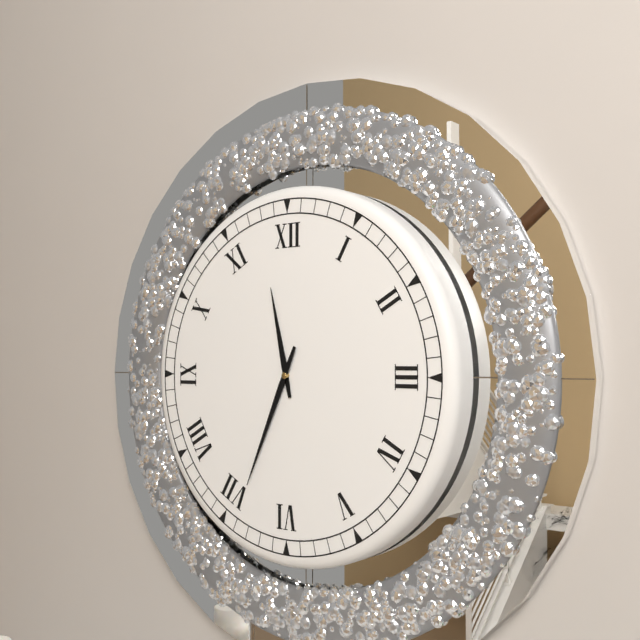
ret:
11.34
